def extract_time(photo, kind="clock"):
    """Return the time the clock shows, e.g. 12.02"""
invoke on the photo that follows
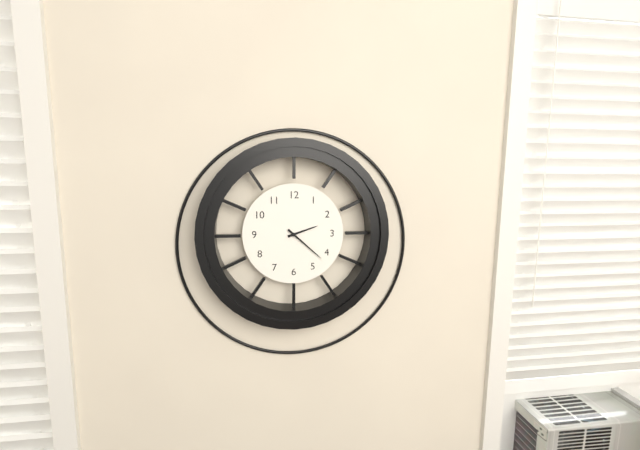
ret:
2.22
